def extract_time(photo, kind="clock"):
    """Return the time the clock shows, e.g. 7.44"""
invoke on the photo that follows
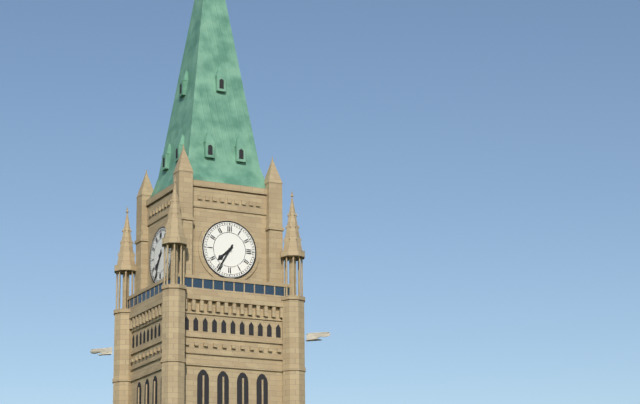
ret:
7.35
